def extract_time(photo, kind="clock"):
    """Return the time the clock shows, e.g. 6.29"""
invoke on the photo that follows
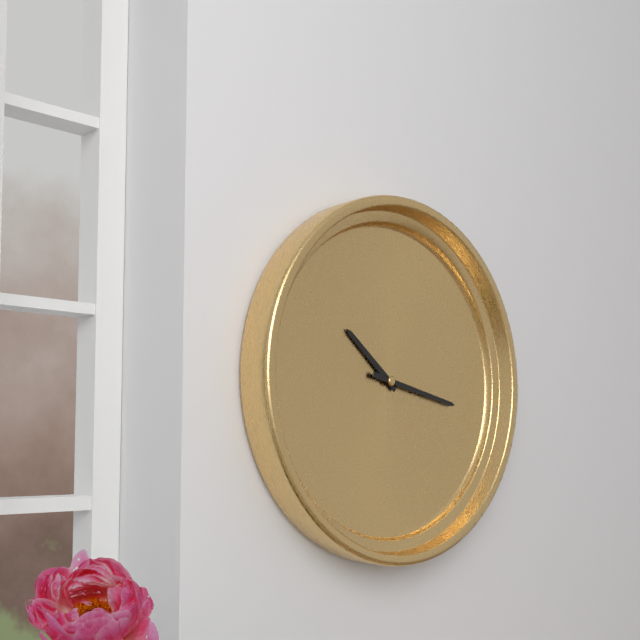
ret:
10.17
